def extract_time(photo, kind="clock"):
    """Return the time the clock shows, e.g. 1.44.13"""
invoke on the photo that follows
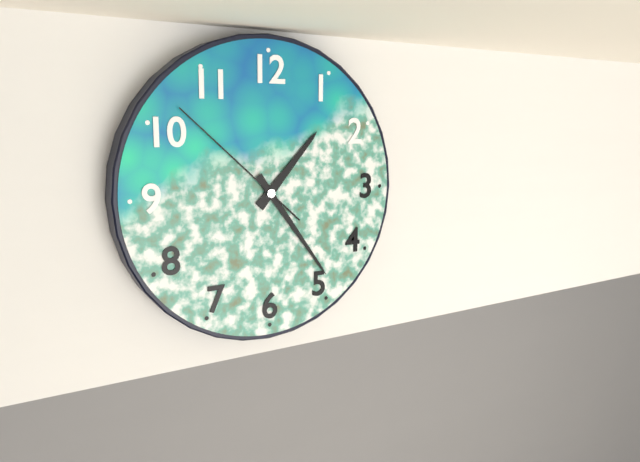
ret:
1.24.52
